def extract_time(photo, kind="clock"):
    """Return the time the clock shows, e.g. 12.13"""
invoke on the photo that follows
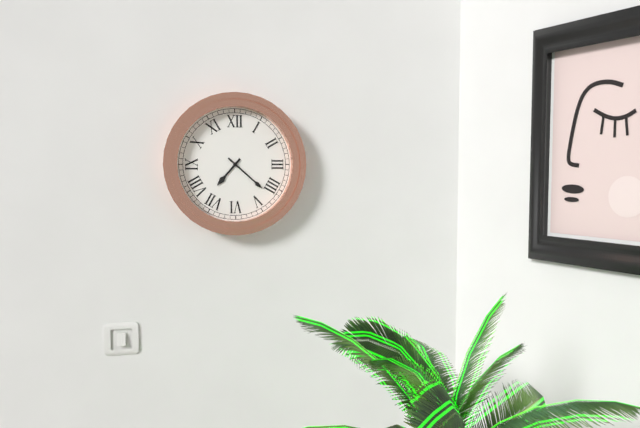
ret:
7.22
